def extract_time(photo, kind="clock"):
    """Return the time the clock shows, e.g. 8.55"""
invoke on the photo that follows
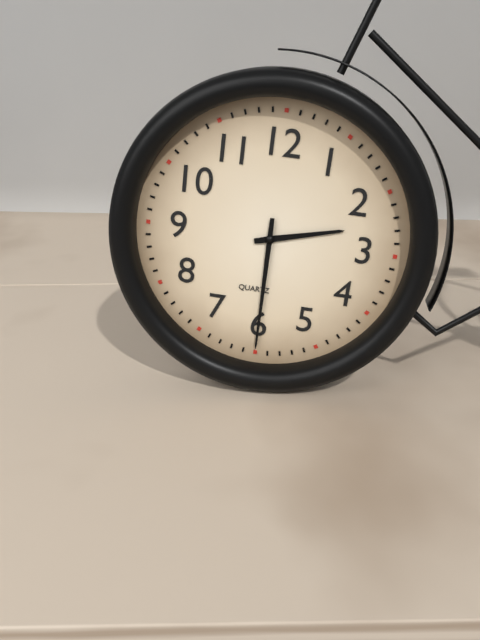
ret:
2.30
